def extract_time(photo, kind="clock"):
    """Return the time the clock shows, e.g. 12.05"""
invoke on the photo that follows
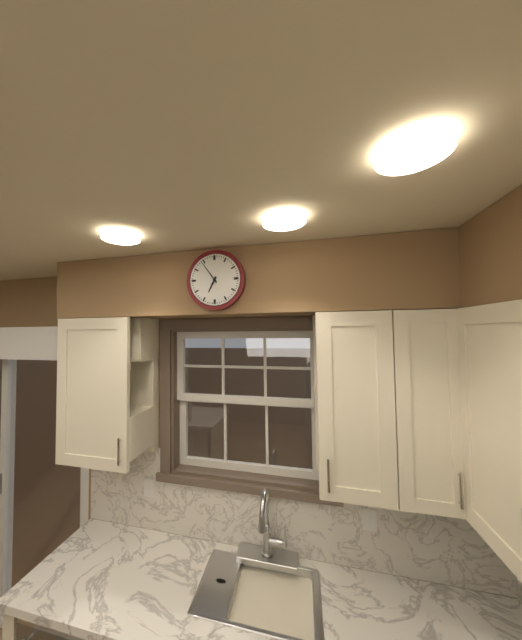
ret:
6.54
